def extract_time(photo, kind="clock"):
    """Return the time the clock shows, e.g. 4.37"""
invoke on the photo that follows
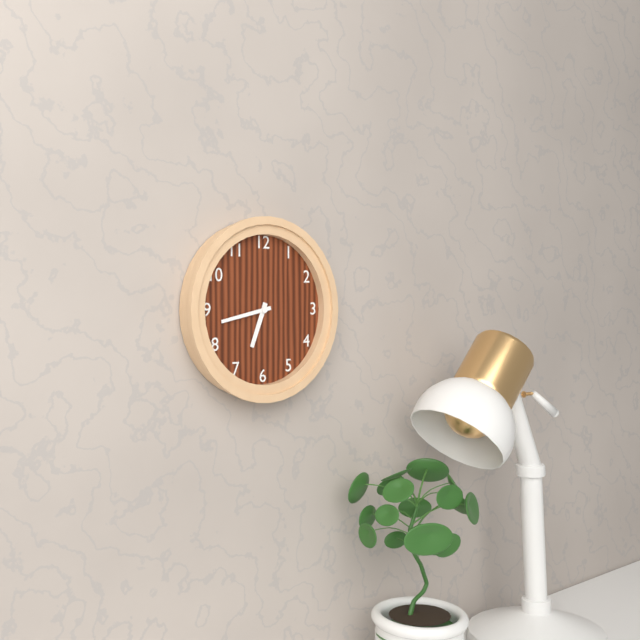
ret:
6.43
